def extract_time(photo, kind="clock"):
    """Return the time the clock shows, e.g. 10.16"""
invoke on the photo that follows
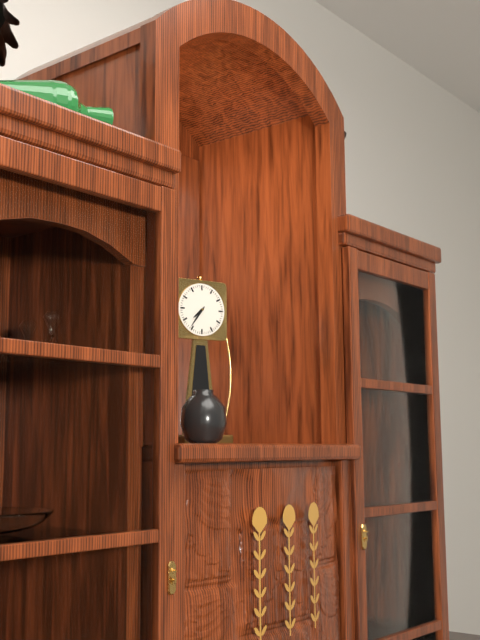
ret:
7.36
